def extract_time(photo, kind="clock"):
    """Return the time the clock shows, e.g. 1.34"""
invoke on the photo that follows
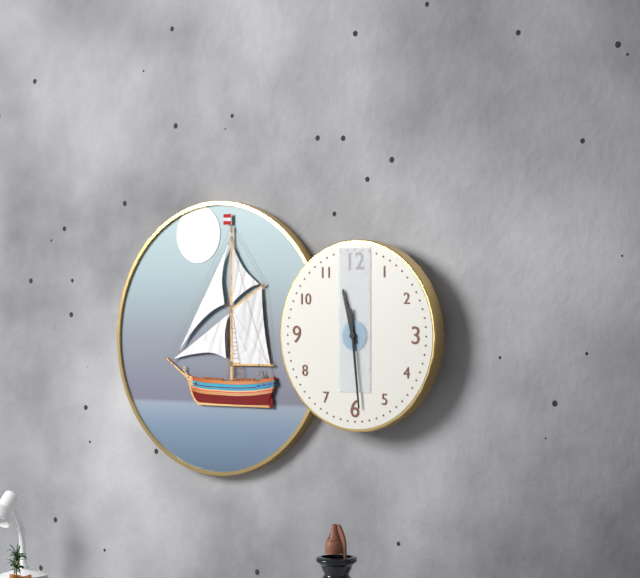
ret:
11.29
